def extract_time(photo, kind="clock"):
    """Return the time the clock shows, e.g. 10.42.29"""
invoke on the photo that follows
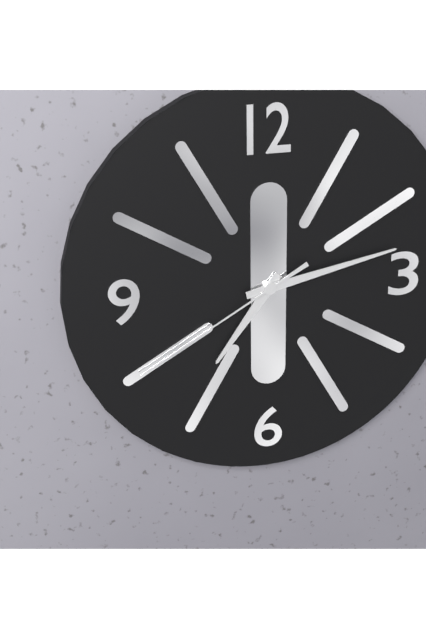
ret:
7.13.40
